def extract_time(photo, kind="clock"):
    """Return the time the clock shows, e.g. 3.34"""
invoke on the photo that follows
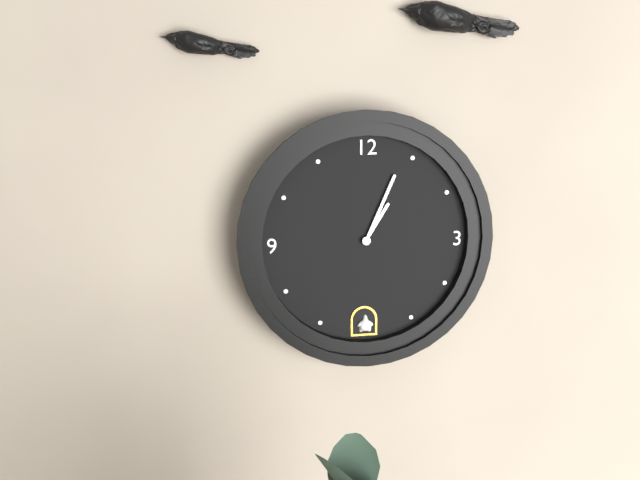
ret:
1.04
